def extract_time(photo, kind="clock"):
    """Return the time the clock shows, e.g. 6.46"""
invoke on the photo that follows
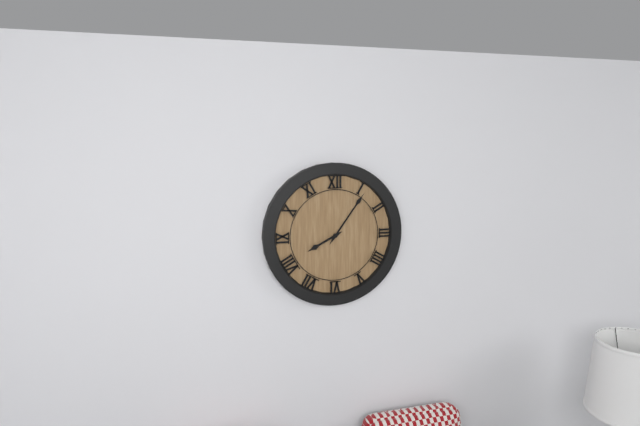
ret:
8.06
